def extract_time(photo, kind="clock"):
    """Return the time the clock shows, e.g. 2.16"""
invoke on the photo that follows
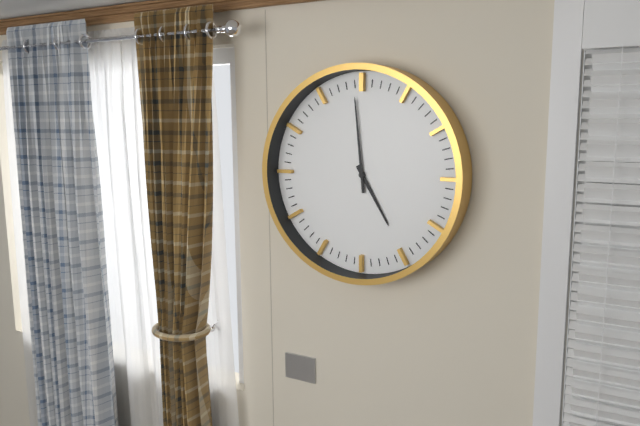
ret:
4.59
